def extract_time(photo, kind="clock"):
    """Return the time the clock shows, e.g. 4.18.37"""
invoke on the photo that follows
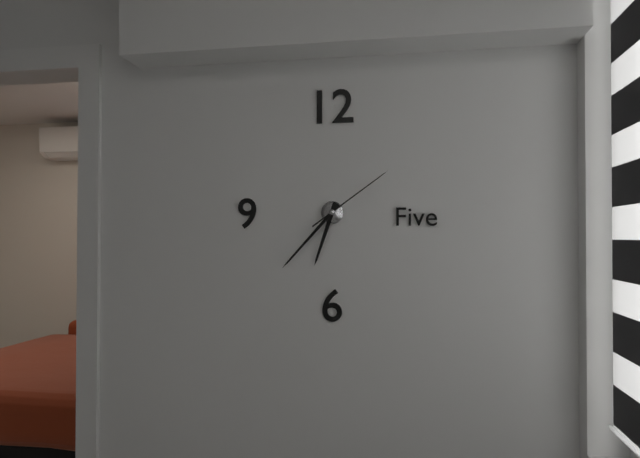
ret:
6.37.09
